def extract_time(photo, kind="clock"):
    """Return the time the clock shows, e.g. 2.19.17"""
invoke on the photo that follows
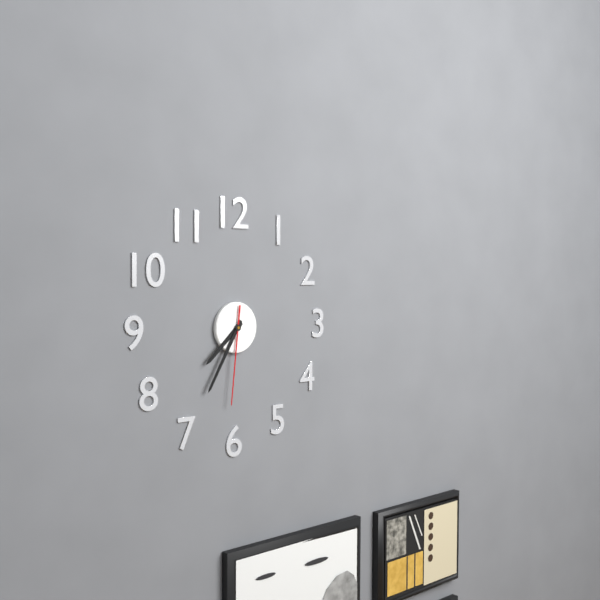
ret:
7.35.31
